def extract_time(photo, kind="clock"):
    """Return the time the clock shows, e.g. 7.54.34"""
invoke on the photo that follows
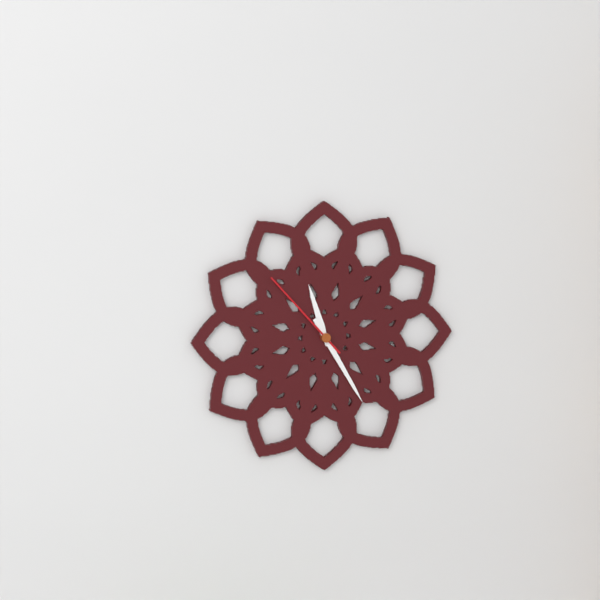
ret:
11.25.53
